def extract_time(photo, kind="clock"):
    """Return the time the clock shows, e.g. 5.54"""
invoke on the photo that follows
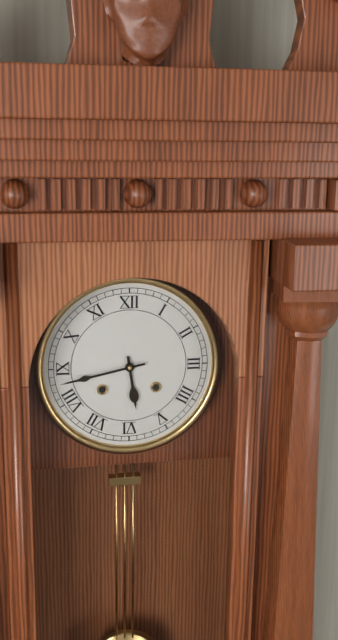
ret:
5.43
